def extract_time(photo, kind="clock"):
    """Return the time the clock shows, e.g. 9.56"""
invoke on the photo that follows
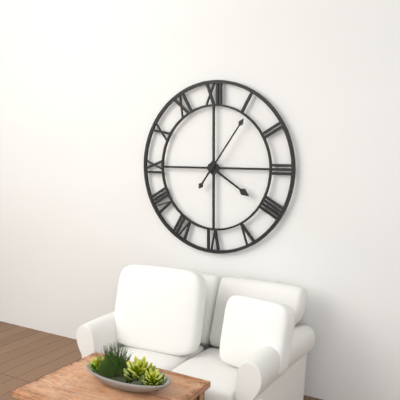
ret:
4.06
